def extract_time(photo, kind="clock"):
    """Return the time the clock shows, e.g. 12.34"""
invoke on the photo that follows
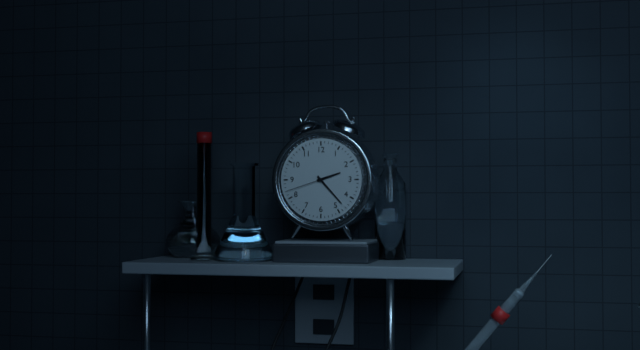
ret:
2.23
